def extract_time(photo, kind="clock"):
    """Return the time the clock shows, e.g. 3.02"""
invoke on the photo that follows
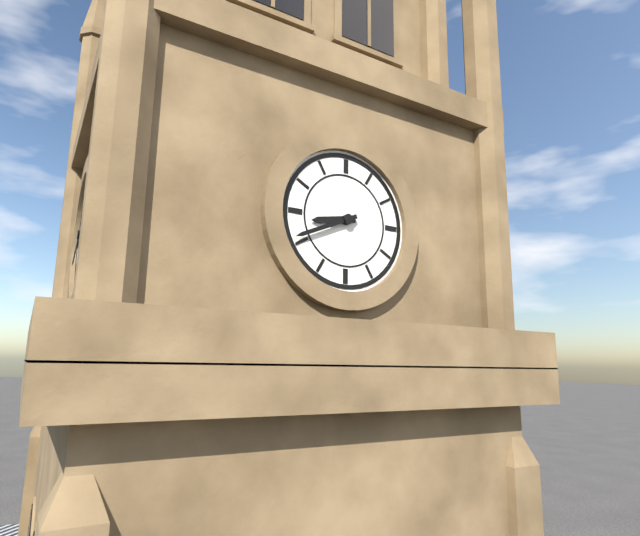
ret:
8.41
